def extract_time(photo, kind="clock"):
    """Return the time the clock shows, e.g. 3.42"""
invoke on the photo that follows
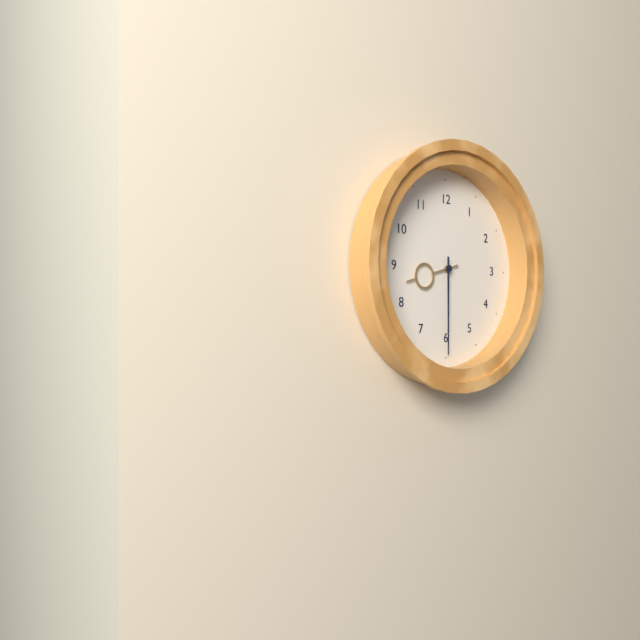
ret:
8.30
